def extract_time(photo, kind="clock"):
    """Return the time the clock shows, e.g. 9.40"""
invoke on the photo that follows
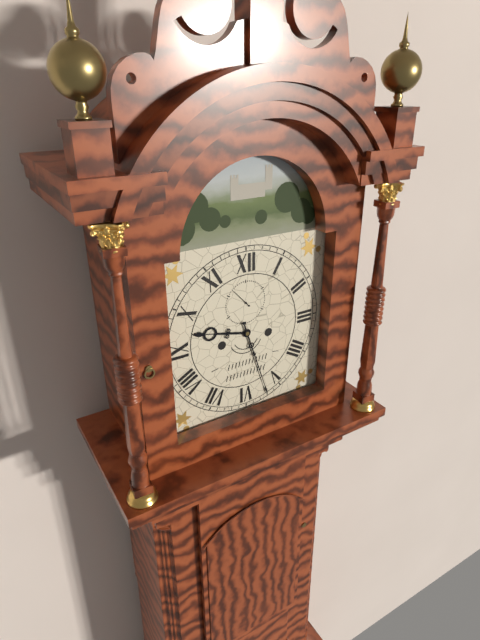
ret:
9.27
